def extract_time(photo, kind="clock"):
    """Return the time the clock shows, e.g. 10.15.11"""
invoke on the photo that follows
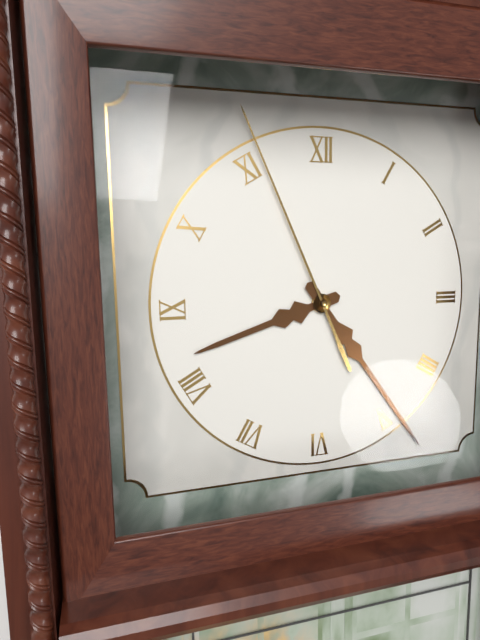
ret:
8.24.56
